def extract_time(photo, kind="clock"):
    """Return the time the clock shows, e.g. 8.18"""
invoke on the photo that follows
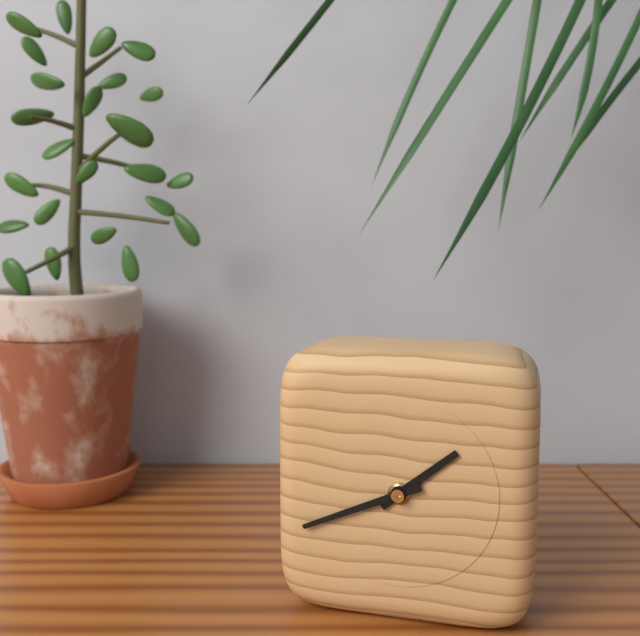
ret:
1.41
